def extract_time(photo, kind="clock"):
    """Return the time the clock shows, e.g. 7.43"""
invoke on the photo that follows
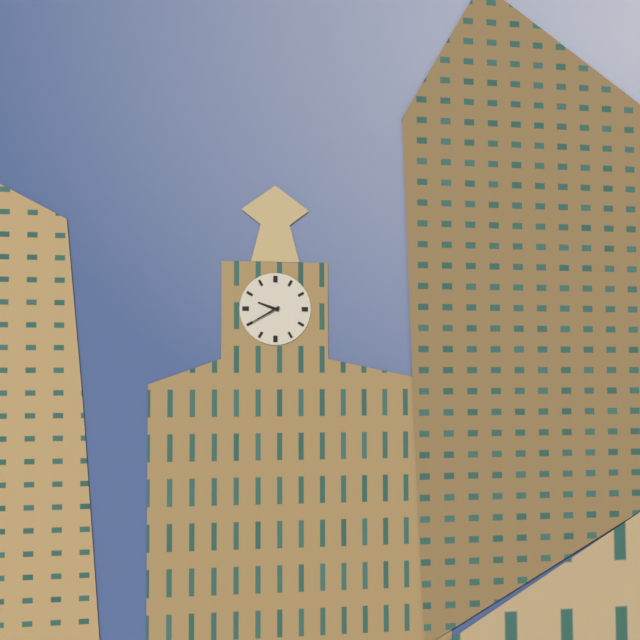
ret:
9.40
